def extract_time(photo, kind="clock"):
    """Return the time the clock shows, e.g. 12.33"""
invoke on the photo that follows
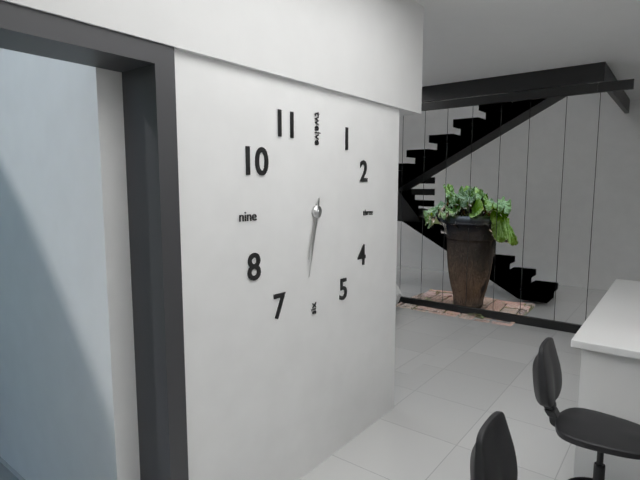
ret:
6.32
